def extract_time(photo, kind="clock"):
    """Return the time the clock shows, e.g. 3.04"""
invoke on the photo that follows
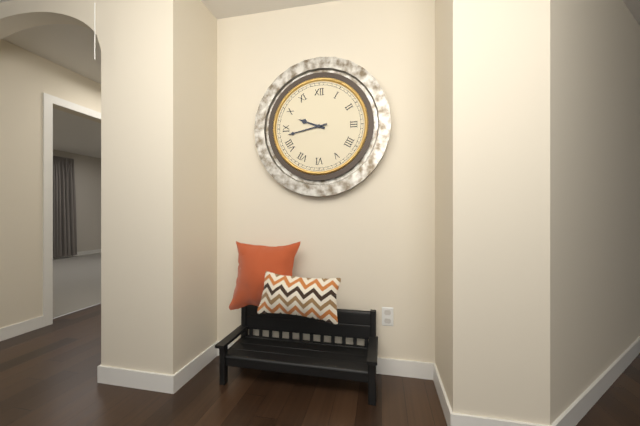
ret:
9.43
